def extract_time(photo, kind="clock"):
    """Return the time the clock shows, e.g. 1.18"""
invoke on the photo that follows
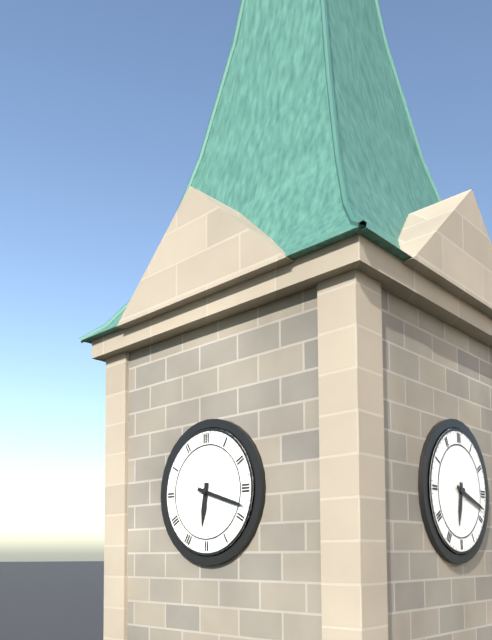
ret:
6.18
